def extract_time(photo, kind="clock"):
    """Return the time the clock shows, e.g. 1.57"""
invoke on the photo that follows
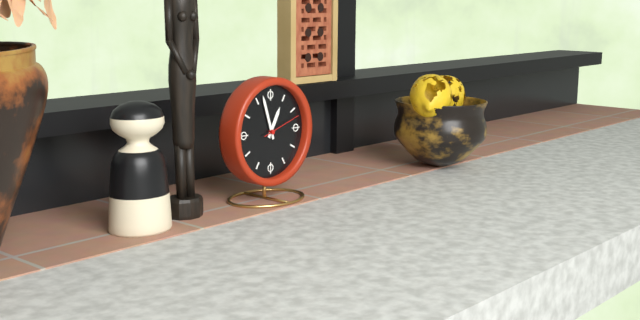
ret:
12.57
